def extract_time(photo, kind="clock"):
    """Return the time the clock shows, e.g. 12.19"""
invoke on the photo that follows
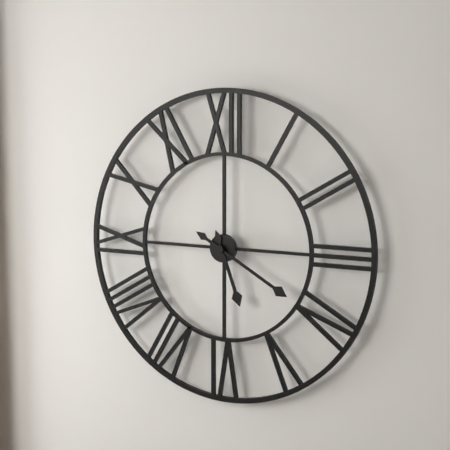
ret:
5.20
